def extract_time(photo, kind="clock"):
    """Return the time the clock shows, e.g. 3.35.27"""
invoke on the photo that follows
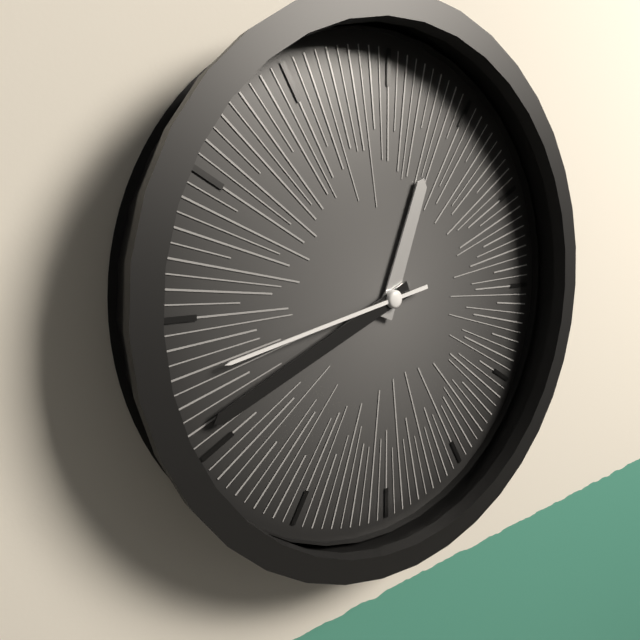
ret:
12.41.43
